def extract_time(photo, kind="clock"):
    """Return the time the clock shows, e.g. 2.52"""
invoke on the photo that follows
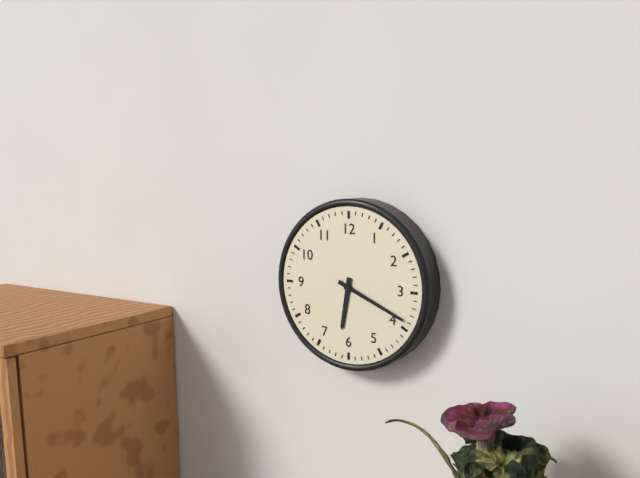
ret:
6.19
